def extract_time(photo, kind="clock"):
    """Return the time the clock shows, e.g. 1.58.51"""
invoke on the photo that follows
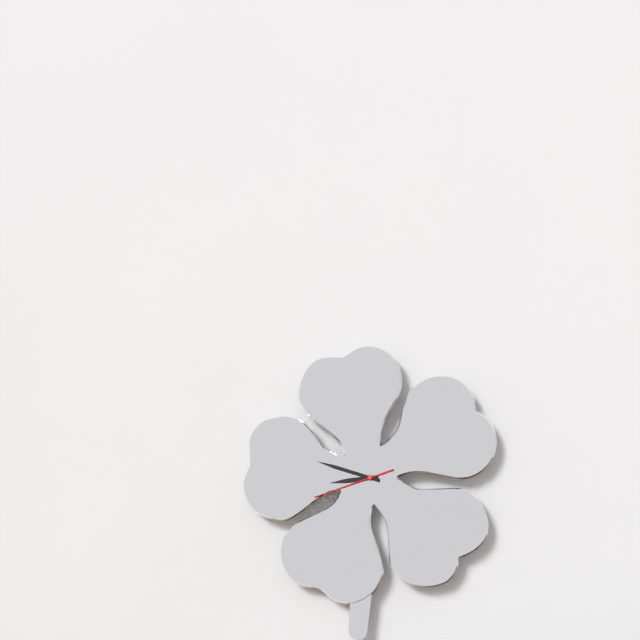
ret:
8.48.42
